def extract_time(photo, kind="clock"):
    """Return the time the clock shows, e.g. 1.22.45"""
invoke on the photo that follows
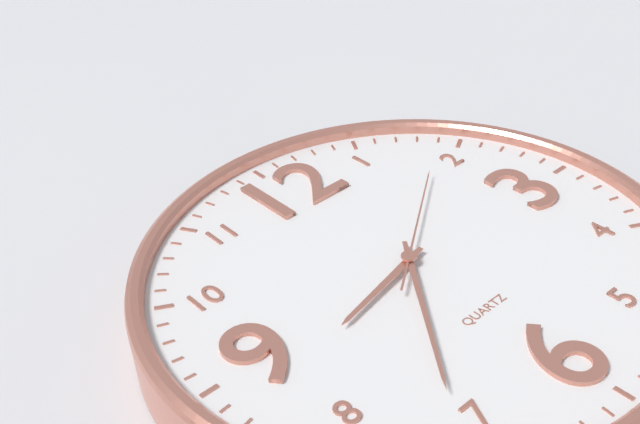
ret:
8.36.09
